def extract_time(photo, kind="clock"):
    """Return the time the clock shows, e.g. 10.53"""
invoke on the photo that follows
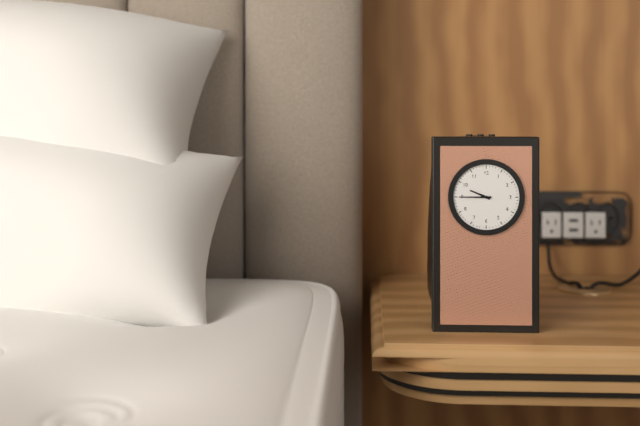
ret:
9.45
